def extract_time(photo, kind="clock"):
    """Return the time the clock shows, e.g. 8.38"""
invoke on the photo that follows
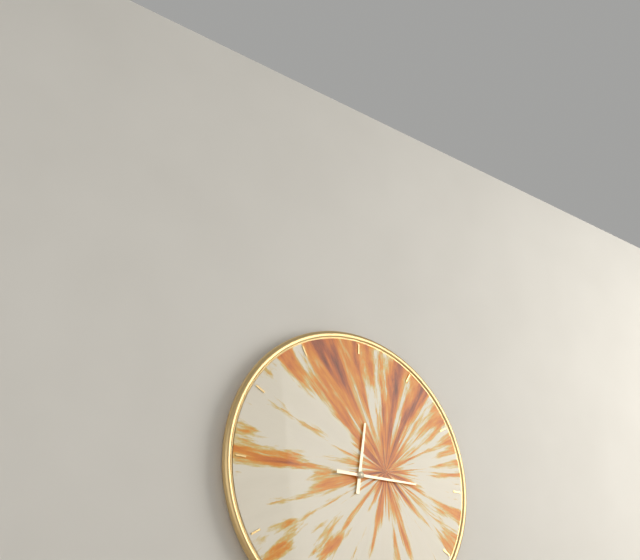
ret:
12.15
